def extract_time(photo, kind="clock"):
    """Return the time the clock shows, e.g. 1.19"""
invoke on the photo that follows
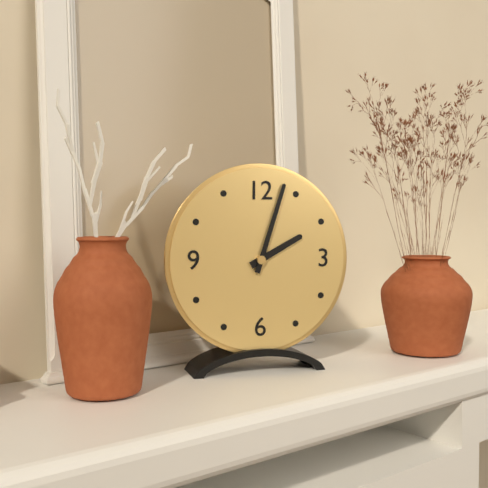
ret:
2.03
